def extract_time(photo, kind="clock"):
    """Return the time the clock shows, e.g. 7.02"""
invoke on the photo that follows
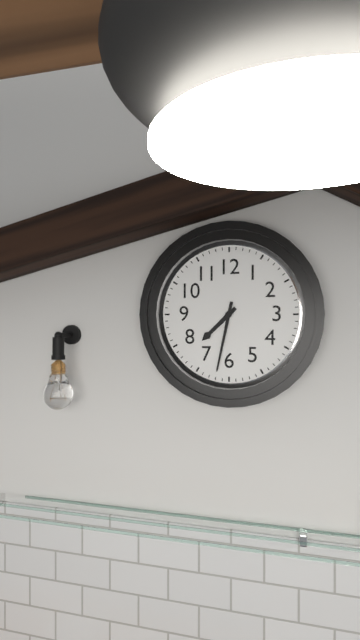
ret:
7.32
